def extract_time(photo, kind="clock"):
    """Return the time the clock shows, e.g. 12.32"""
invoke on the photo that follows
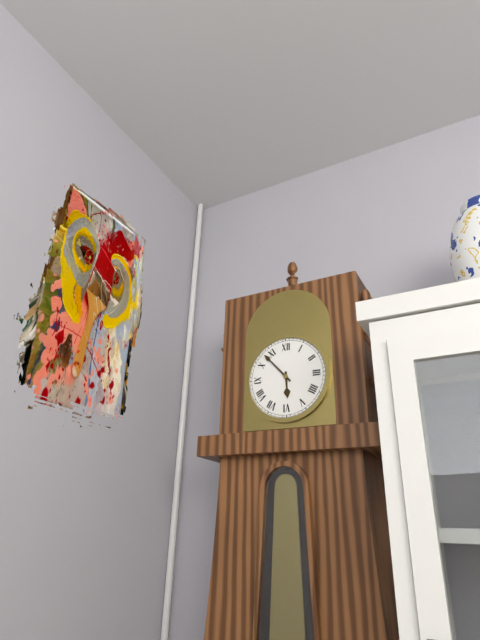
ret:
5.53
